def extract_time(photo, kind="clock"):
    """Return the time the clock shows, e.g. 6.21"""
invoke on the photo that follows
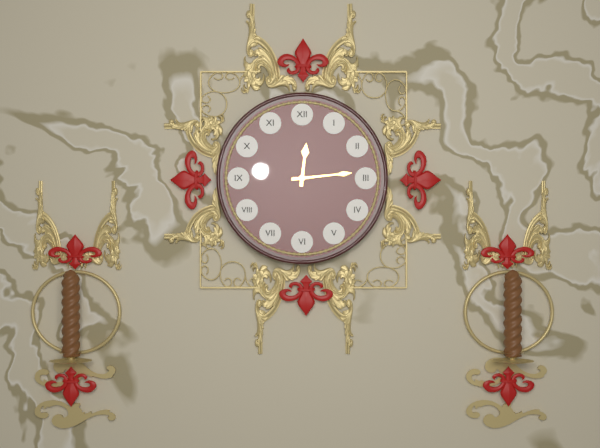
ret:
12.14
